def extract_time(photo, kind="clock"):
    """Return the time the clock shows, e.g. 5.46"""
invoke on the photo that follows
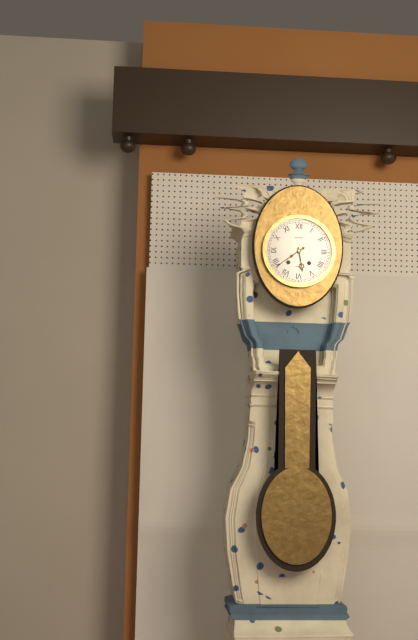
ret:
5.39
